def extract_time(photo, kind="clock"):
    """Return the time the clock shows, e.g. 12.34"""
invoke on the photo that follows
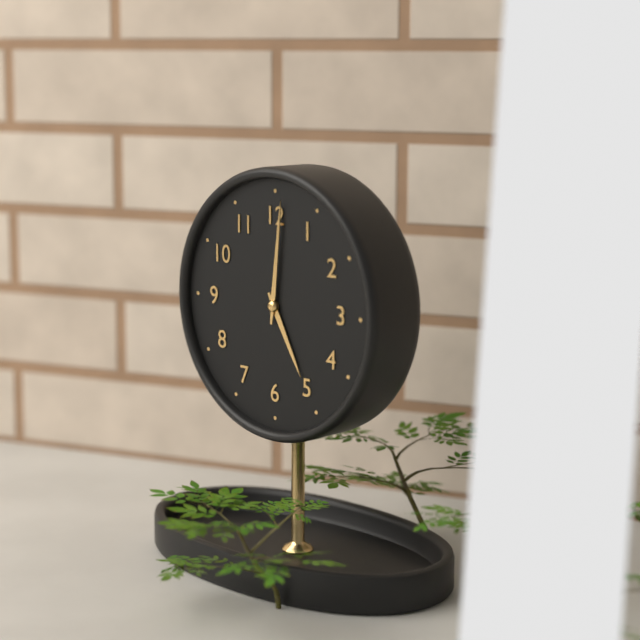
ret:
5.01
